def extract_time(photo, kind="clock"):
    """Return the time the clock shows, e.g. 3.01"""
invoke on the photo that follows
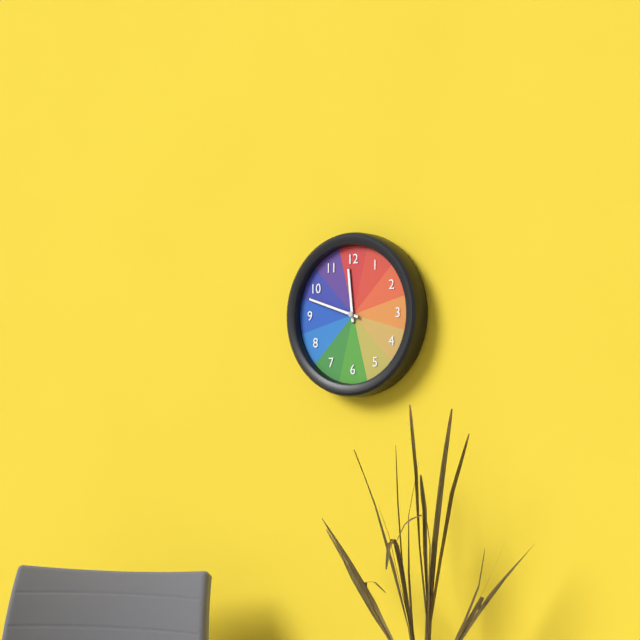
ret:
11.48
